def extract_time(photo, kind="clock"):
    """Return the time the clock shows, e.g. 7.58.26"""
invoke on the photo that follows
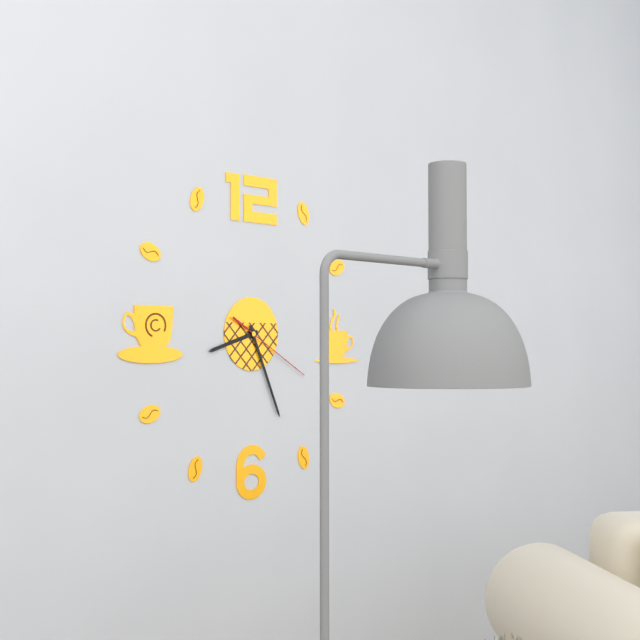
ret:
8.26.20
